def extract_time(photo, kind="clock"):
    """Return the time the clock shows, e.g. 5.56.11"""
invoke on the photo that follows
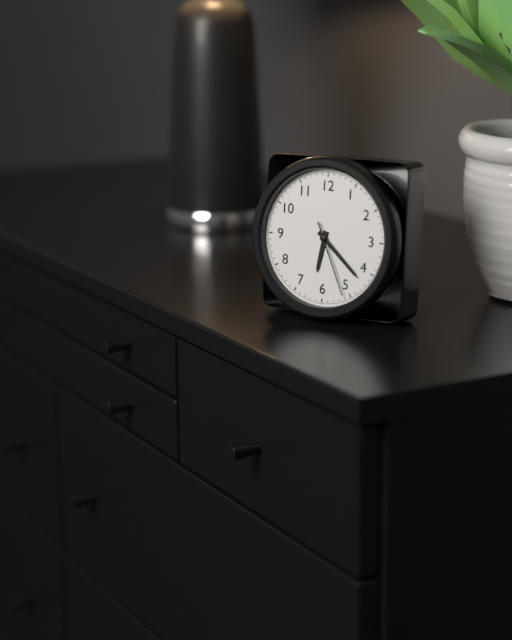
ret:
6.22.26
